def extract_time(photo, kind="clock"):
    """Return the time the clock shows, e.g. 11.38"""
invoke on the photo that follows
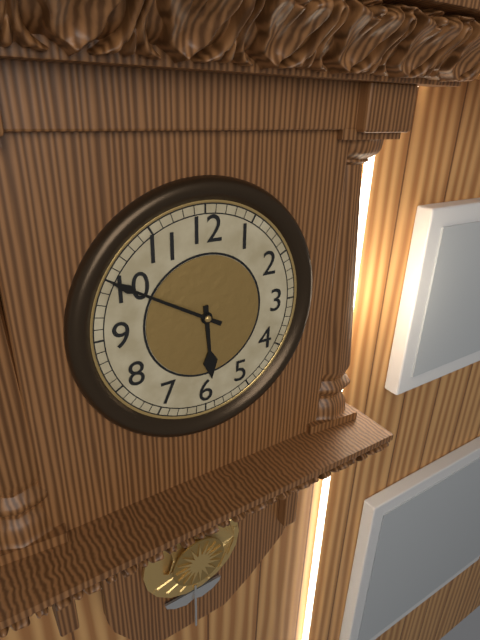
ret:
5.50
